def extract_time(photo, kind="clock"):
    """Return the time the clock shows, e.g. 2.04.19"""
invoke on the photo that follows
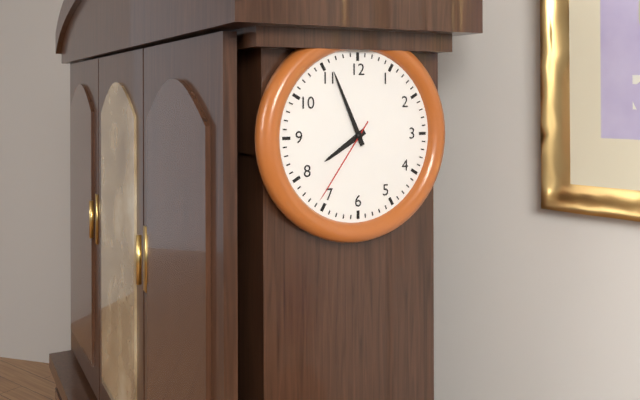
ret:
7.56.36
